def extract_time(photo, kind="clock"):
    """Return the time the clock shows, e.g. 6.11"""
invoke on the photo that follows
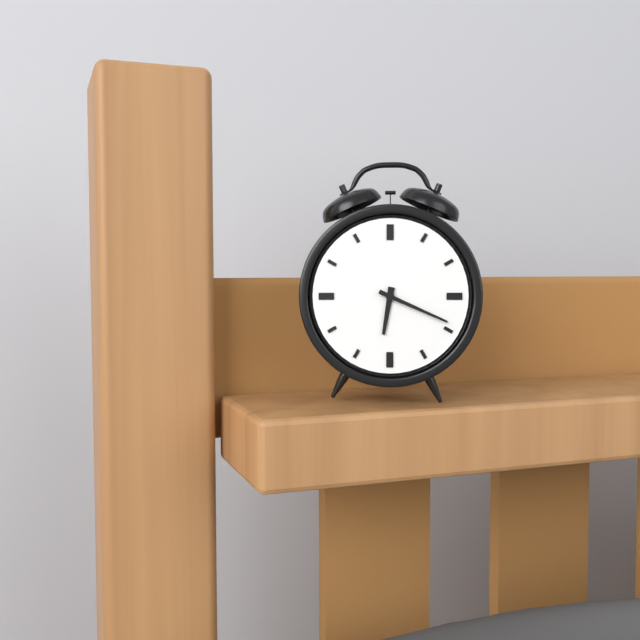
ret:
6.19
